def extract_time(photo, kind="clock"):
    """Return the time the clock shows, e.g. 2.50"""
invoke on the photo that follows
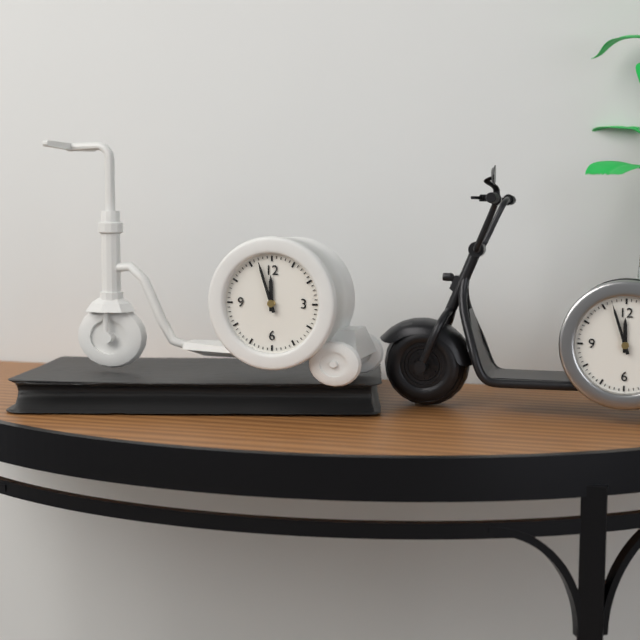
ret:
11.57
